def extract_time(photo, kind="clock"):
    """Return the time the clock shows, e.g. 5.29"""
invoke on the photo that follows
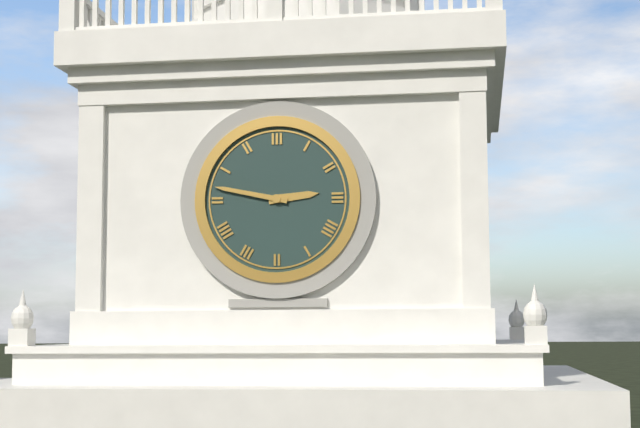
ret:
2.47
